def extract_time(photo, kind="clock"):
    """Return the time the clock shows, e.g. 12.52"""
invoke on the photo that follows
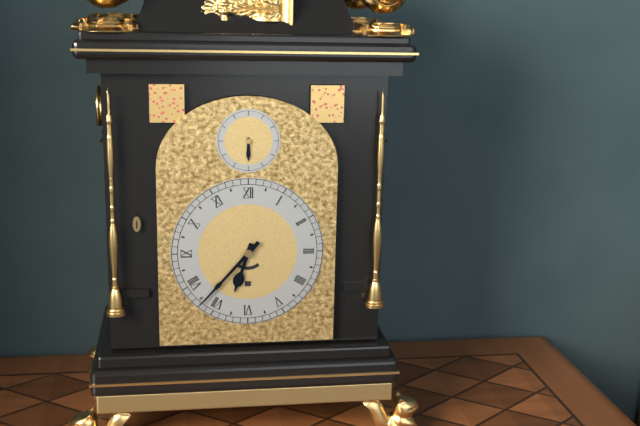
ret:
6.37
